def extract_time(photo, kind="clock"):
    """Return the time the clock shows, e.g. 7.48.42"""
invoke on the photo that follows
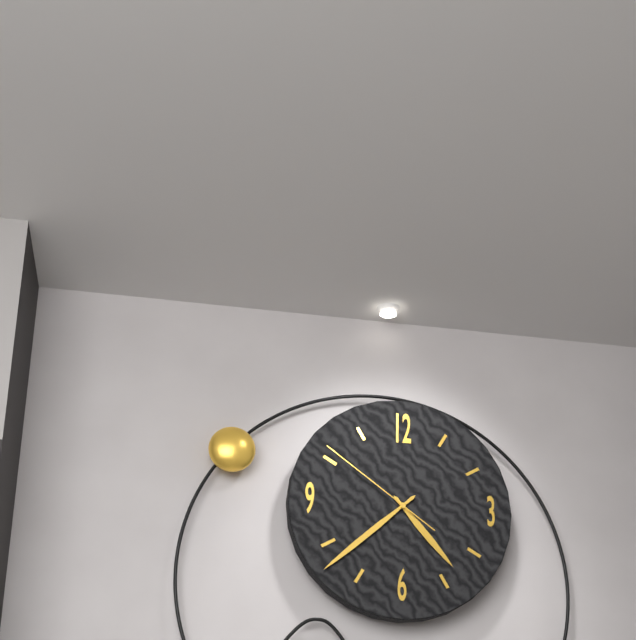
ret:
4.38.51
